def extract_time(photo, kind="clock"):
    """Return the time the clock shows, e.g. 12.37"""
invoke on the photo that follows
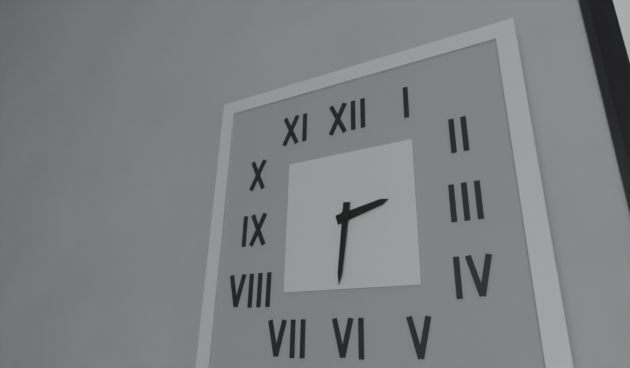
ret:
2.31
